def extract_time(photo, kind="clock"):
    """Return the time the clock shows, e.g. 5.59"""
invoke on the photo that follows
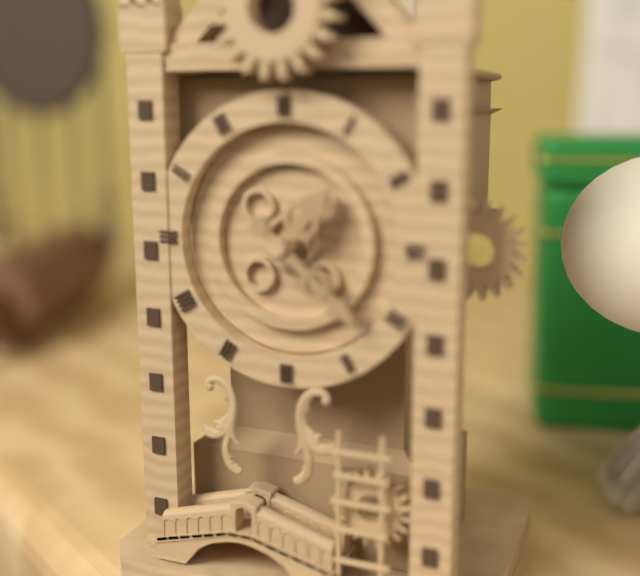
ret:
1.22
